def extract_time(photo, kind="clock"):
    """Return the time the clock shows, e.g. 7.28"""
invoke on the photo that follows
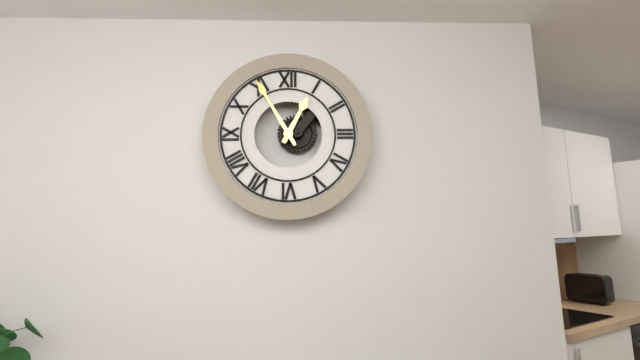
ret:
12.55
